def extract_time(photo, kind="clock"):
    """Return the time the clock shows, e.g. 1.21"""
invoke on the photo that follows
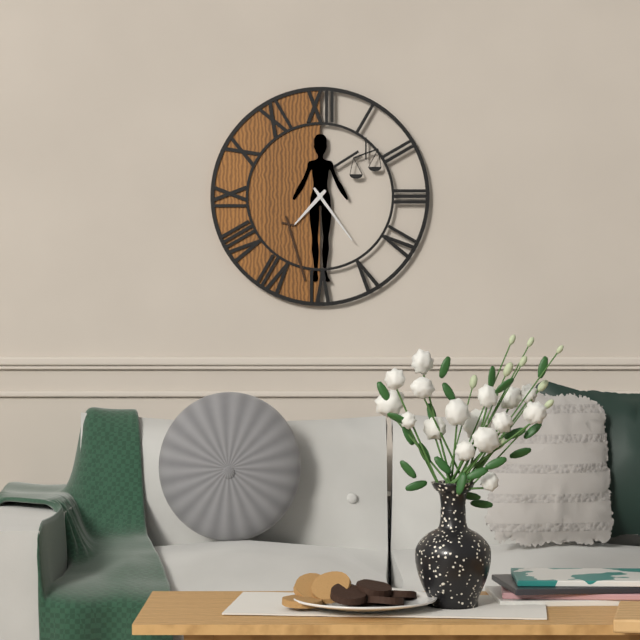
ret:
7.24
